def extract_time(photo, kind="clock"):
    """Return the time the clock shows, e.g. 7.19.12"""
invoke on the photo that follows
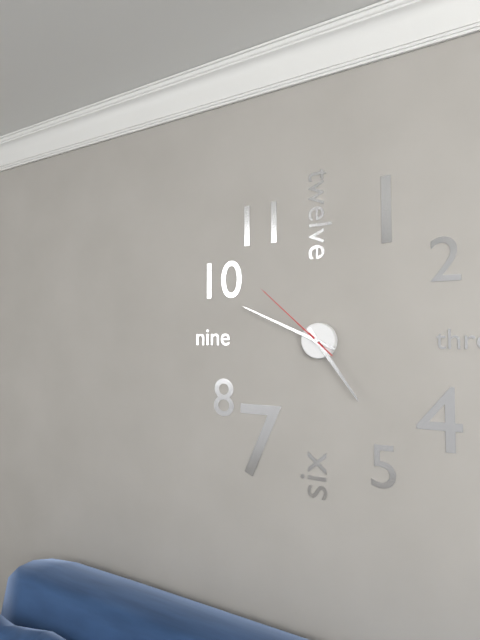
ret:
4.49.52
